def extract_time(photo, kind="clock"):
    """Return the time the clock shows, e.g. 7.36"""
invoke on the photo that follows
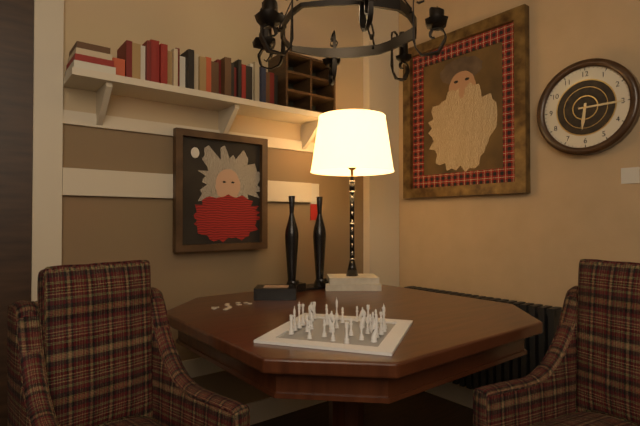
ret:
6.15
